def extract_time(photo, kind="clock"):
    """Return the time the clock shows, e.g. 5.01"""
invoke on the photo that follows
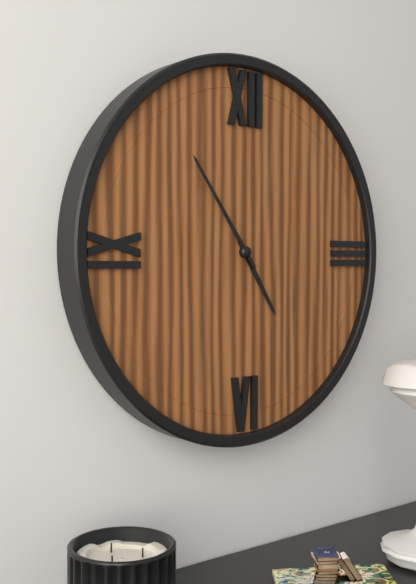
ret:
4.54
